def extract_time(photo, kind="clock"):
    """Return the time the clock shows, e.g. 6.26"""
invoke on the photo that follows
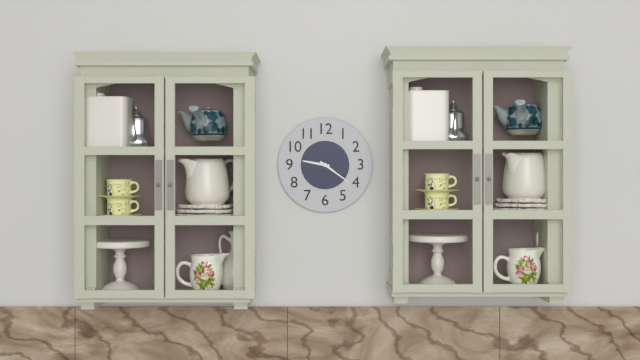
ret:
9.21
